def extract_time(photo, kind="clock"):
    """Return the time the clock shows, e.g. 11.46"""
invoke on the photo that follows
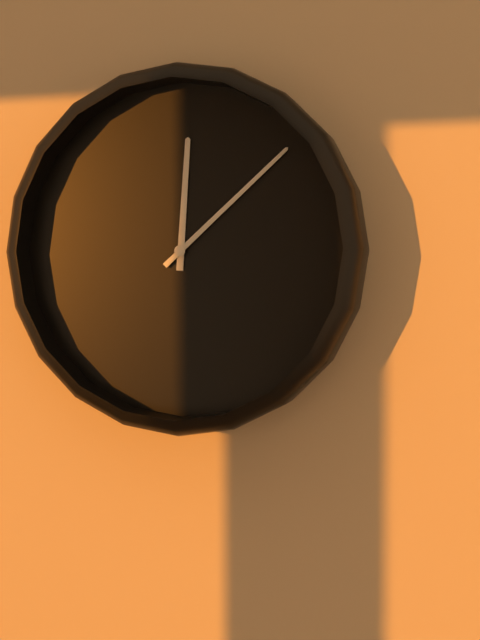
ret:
12.08
